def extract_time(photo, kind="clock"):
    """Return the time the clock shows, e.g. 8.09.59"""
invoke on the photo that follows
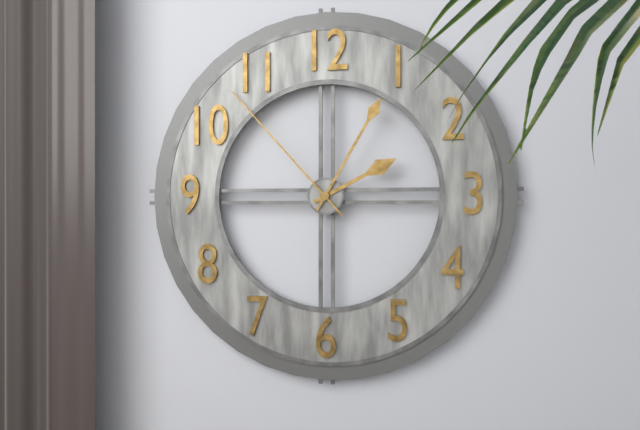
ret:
2.05.53
